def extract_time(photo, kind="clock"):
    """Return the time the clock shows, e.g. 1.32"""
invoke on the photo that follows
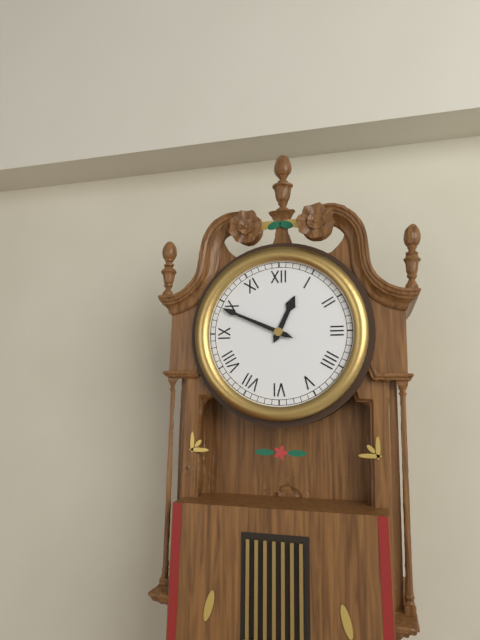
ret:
12.49
